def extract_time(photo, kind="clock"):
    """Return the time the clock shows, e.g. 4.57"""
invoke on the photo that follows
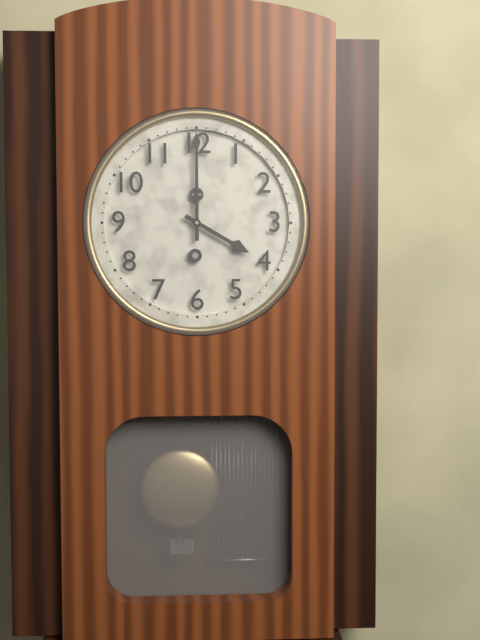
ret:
4.00
